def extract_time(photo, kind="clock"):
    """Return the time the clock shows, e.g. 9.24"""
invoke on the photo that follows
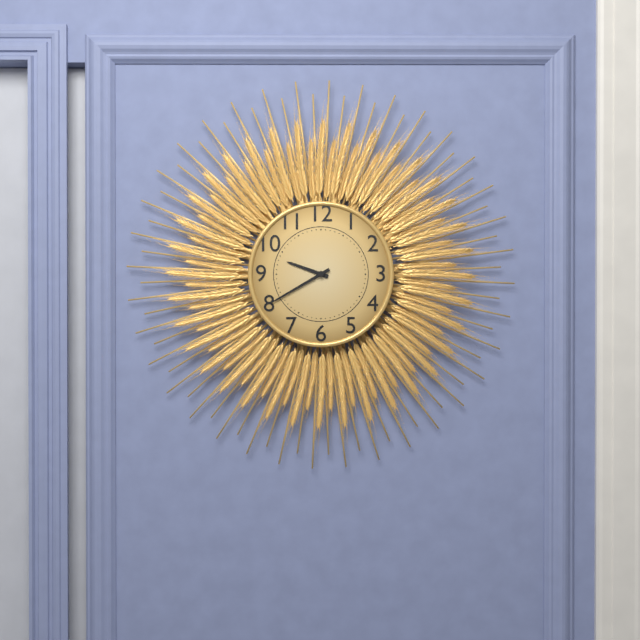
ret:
9.40
